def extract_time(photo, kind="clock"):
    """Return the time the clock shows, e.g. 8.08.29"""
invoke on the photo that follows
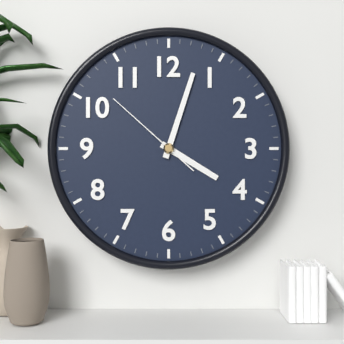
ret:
4.03.52
